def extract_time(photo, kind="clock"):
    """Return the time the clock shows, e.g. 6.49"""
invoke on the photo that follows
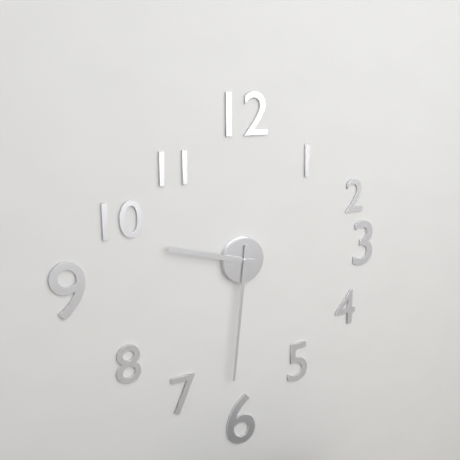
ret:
9.31
